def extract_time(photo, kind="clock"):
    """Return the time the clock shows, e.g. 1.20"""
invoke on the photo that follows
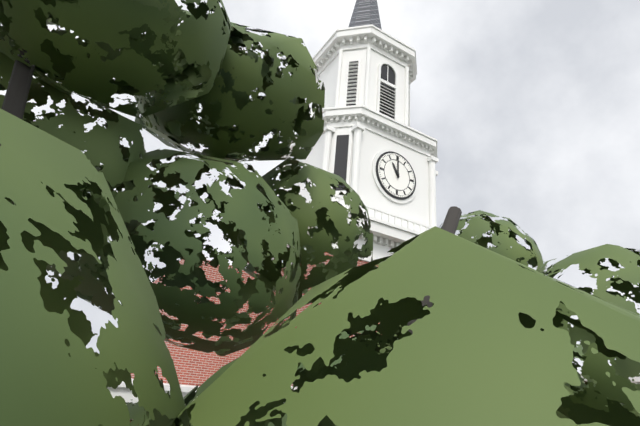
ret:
11.00
